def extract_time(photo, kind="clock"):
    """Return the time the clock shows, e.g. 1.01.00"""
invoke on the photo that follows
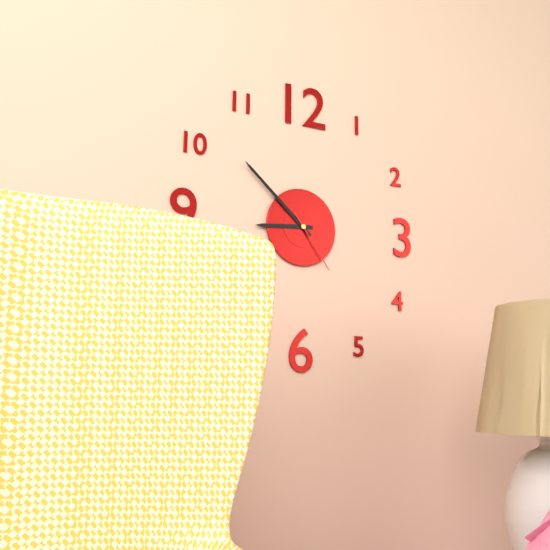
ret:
8.52.24
